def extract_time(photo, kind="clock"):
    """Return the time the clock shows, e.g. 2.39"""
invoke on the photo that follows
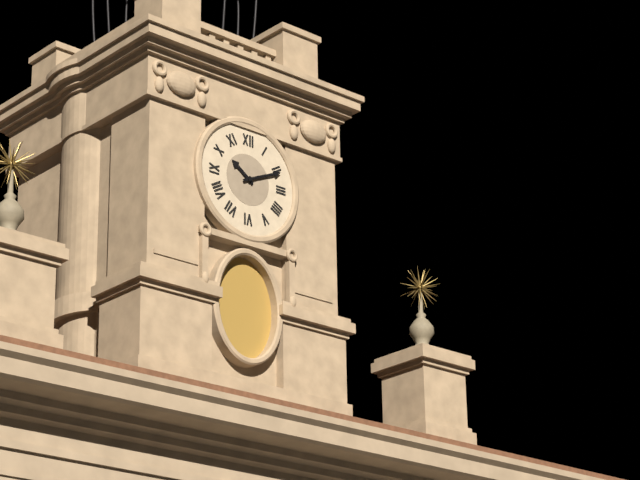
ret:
10.11
